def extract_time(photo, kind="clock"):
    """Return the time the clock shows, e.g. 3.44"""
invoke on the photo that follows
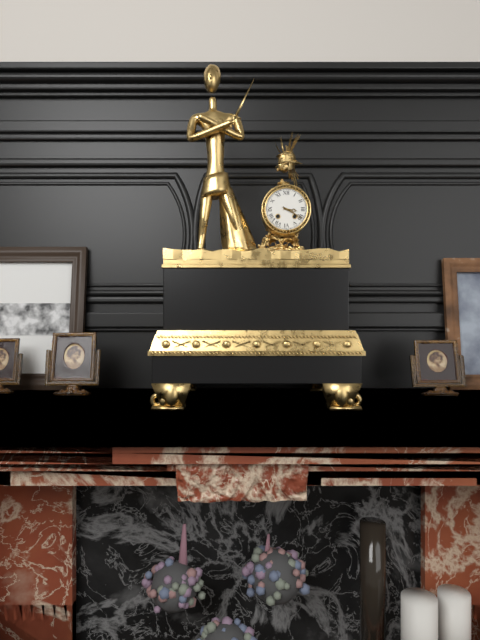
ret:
3.20
